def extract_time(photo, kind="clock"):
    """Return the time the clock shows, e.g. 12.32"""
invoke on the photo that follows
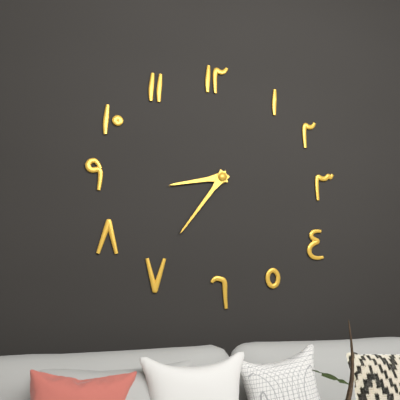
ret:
8.36
